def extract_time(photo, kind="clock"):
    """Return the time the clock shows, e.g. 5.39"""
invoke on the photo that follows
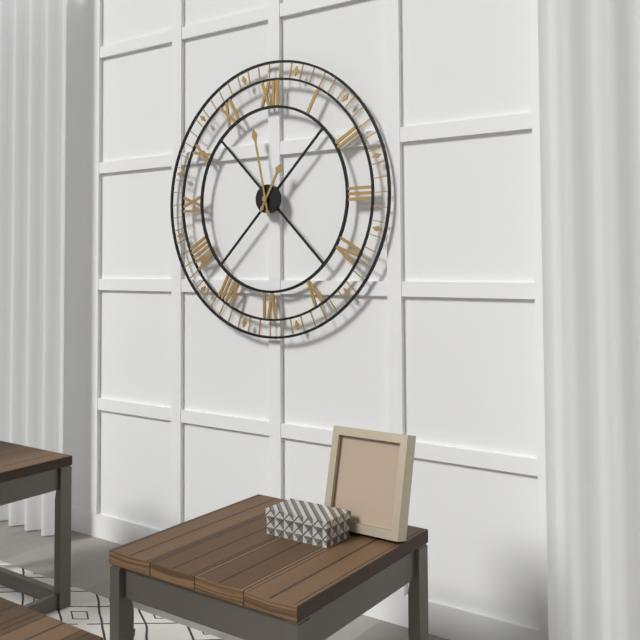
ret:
12.58
